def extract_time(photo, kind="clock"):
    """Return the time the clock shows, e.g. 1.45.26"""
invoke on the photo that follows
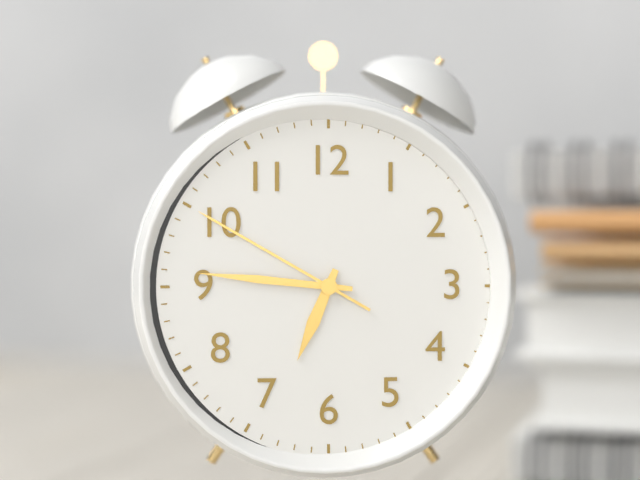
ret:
6.46.50
